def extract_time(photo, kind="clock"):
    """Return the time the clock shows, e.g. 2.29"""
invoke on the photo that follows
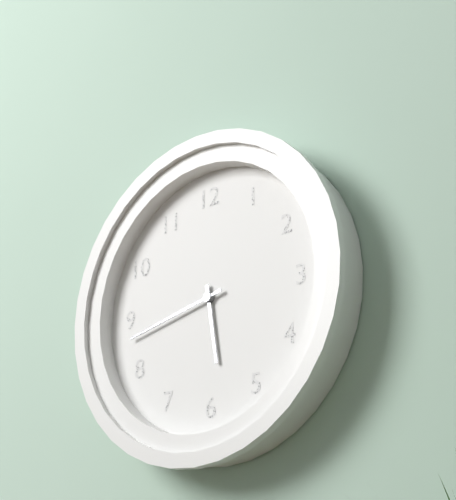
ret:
5.43
